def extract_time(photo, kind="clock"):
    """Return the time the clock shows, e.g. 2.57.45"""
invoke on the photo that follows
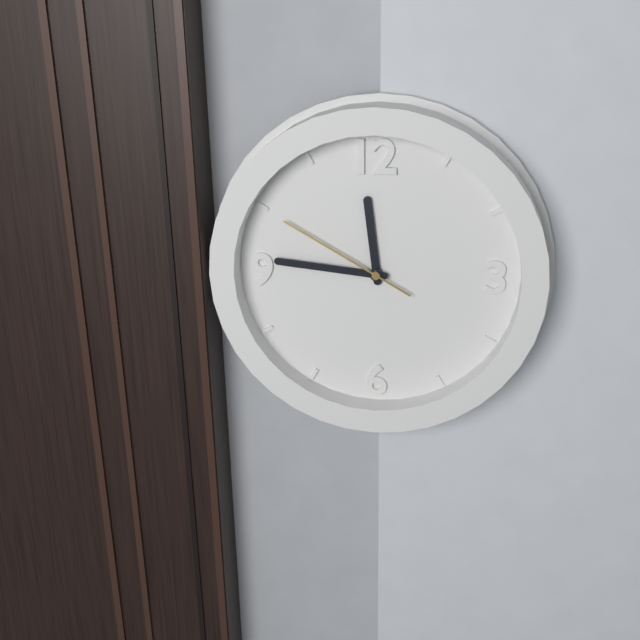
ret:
11.46.50
